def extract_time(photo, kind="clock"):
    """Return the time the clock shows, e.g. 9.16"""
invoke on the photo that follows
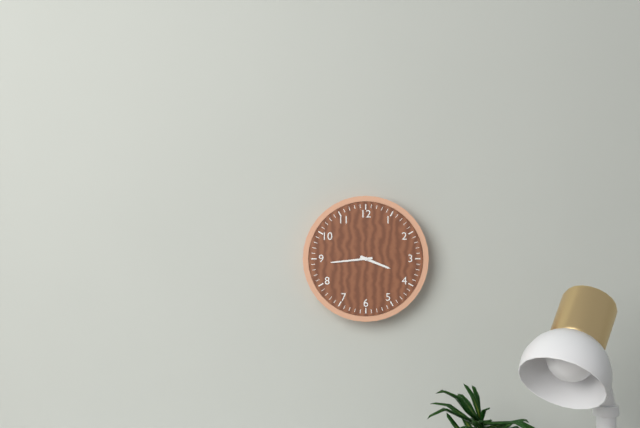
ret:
3.44
